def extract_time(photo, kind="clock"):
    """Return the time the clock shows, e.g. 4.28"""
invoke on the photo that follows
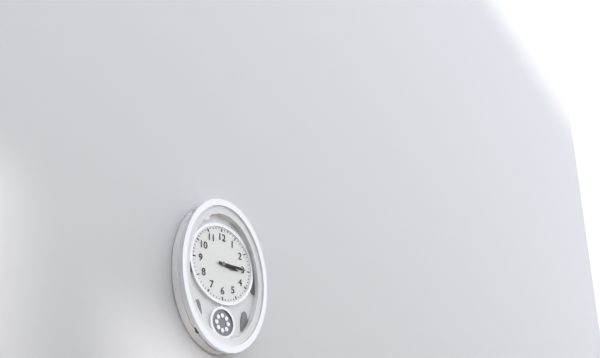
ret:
3.15
